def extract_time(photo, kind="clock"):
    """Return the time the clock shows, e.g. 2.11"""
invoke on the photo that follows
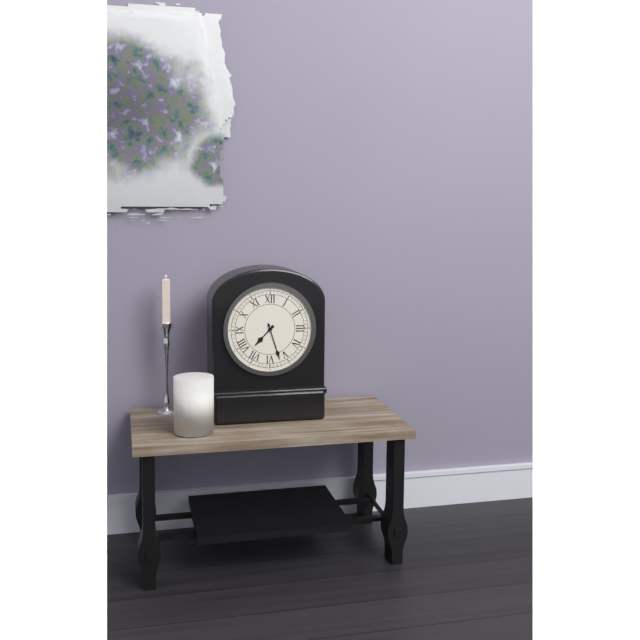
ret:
7.27
